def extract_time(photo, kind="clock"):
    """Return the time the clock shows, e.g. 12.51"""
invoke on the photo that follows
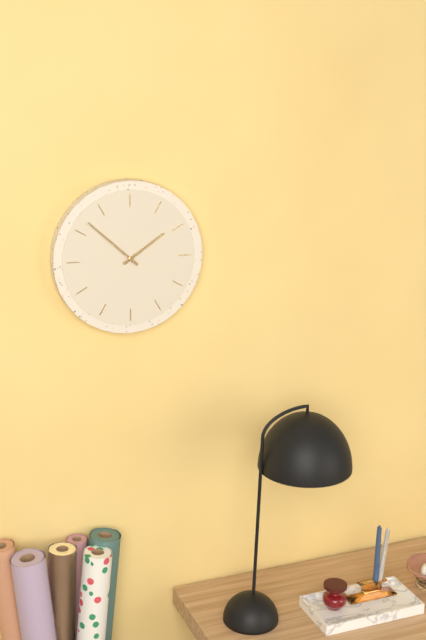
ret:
1.52
